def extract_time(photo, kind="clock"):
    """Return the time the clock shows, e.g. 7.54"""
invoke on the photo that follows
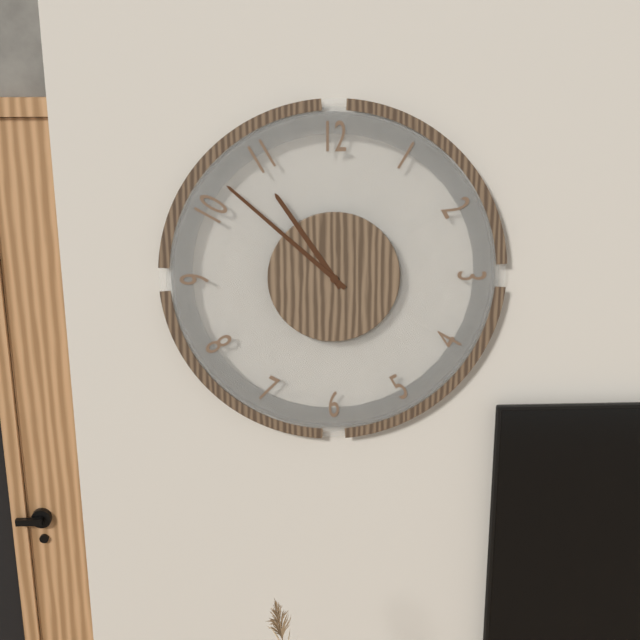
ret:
10.52
